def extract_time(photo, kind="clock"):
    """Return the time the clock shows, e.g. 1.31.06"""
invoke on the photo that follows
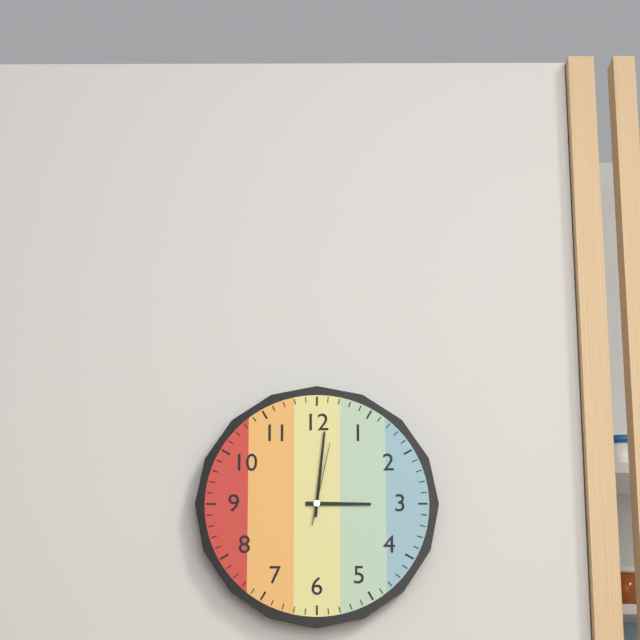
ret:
3.01.02
